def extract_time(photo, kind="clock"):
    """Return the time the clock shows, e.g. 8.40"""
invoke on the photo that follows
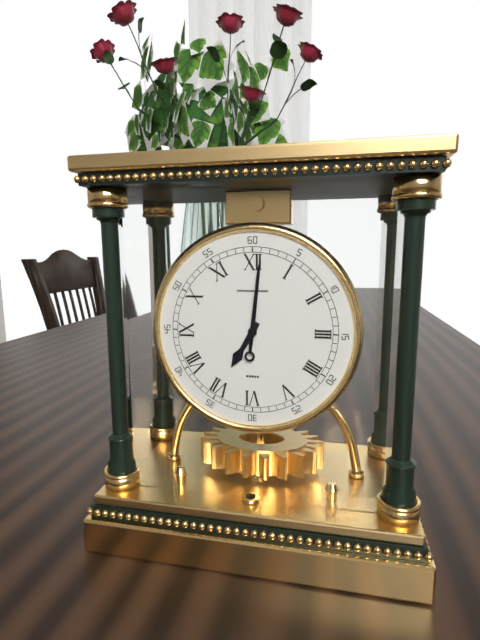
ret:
7.01
